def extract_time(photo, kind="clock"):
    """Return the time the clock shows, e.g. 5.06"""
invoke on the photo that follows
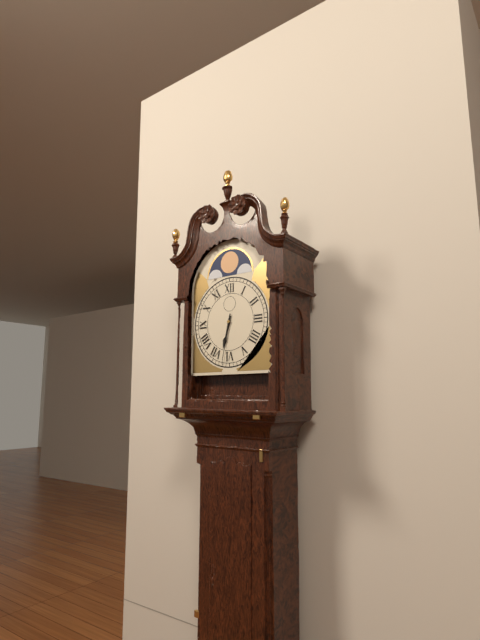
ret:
6.32
